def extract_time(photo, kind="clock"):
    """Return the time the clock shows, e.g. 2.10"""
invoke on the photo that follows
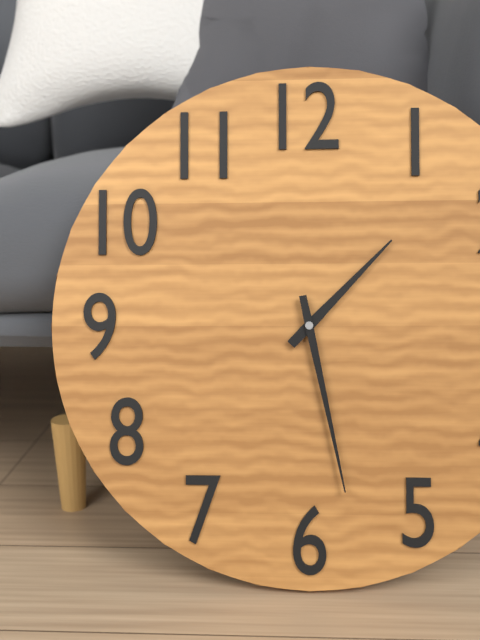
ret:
1.28
